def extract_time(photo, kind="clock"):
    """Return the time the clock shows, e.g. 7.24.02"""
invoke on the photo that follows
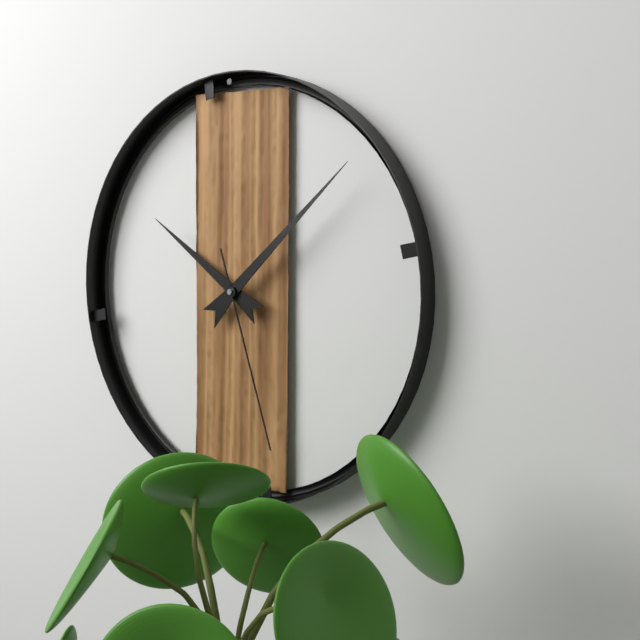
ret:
10.08.27
